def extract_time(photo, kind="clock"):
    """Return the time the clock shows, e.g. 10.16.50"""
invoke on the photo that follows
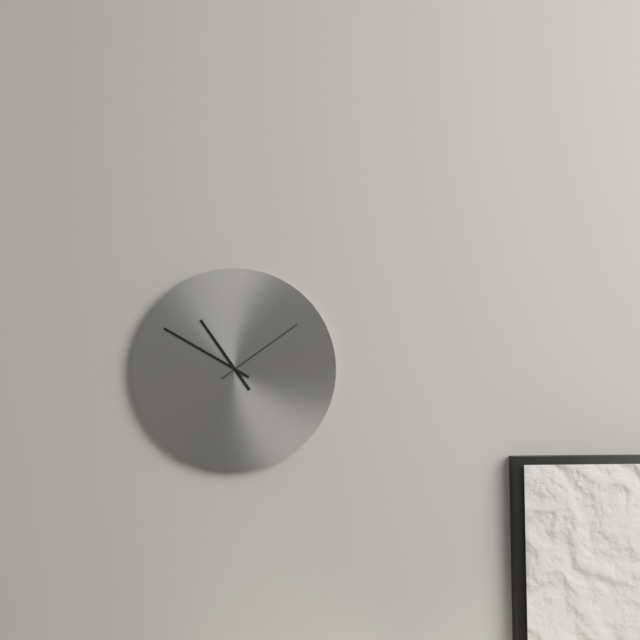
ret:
10.50.09
